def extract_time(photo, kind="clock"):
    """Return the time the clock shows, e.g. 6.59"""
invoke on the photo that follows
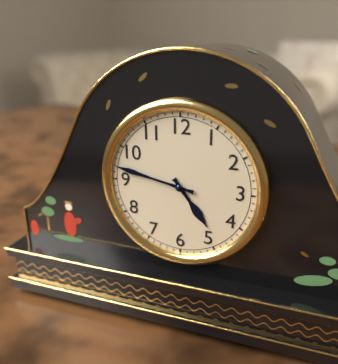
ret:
4.47
